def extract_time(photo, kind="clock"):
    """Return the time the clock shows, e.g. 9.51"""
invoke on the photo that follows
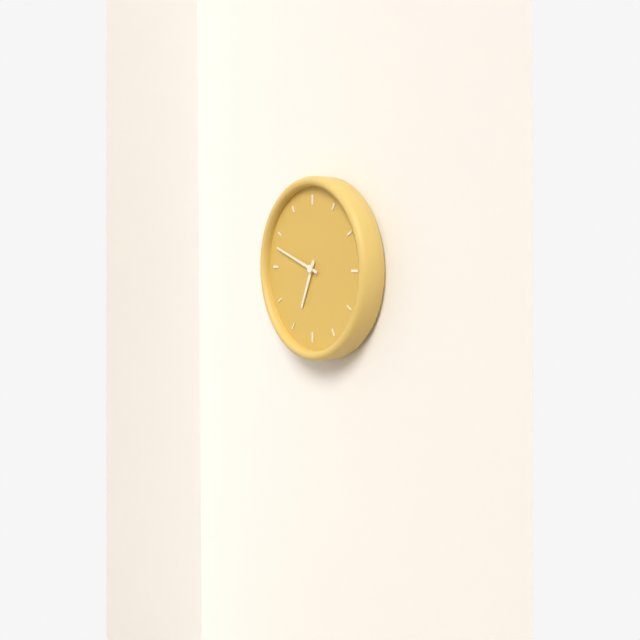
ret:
6.48
